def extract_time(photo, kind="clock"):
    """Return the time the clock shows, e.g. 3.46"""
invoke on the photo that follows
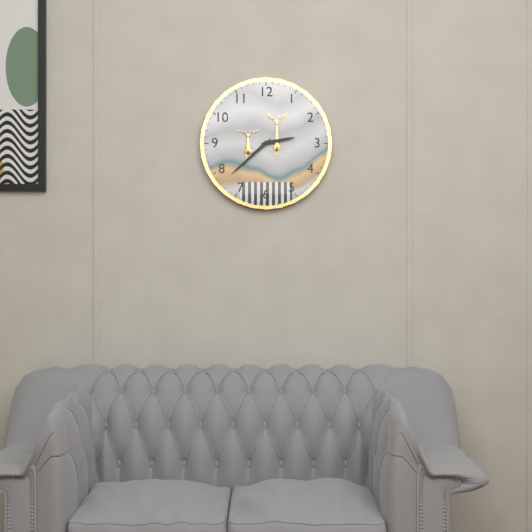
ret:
2.38
